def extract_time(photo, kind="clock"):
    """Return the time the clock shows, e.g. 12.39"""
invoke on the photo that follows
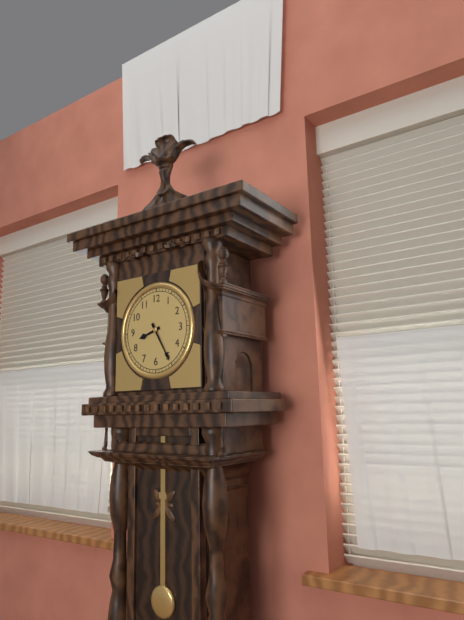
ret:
8.25
